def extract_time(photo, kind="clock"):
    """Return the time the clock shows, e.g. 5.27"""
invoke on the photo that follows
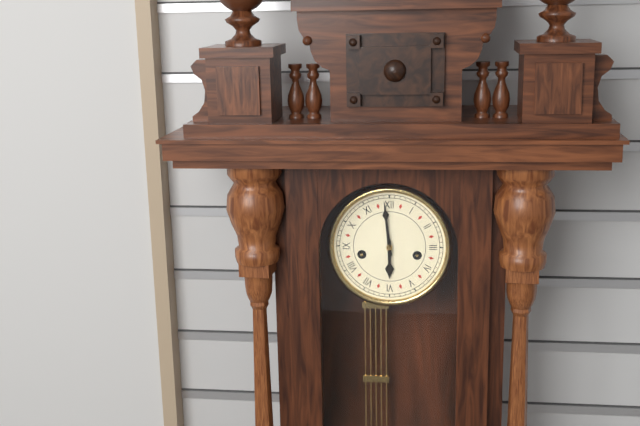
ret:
5.59
